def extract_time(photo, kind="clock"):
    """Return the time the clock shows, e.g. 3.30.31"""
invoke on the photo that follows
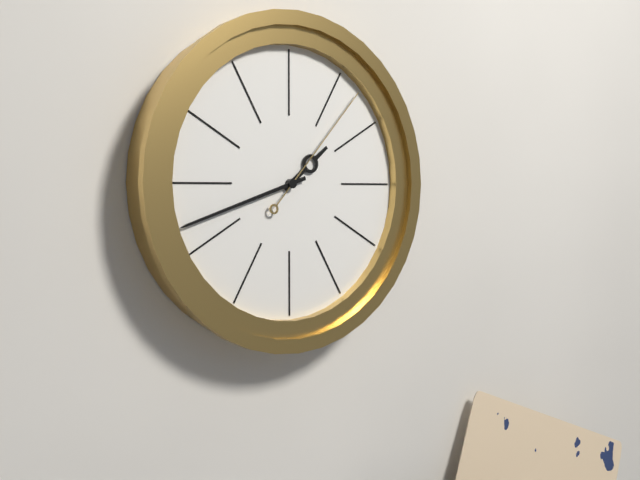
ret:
1.42.07
